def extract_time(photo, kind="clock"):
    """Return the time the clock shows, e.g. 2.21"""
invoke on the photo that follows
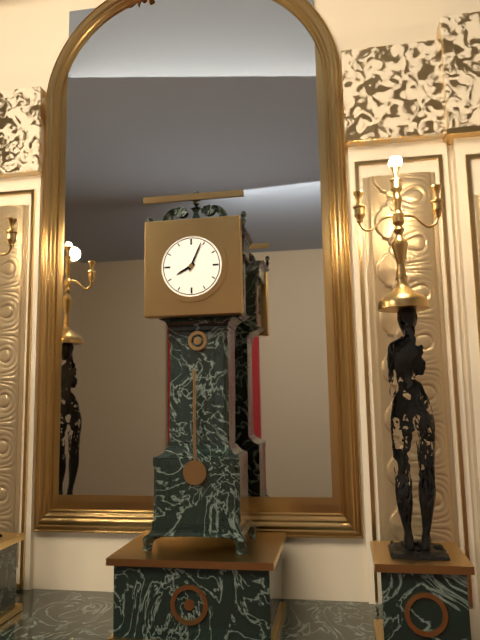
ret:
8.04
